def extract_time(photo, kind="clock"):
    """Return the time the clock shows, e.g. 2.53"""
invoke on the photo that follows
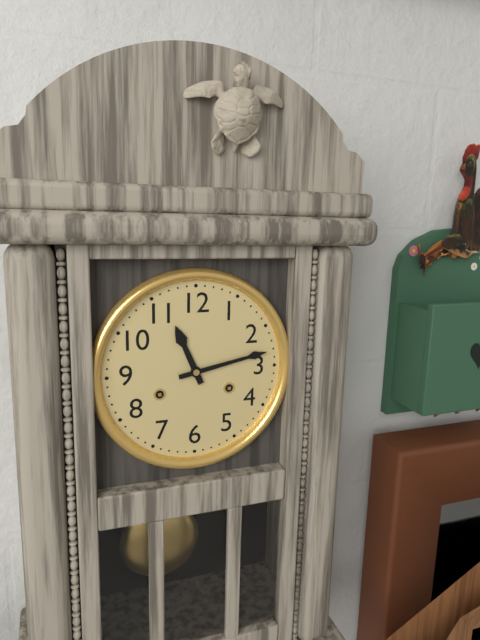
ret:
11.13
